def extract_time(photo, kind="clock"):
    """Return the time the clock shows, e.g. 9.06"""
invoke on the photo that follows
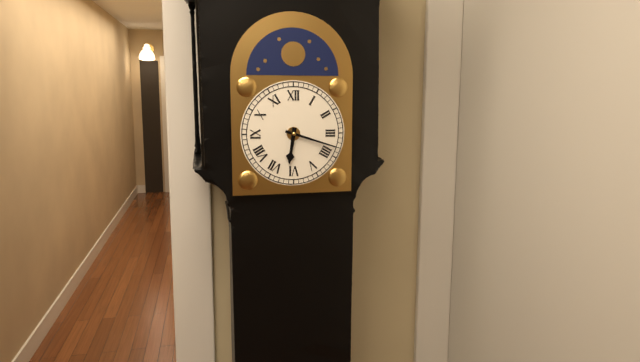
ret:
6.18
